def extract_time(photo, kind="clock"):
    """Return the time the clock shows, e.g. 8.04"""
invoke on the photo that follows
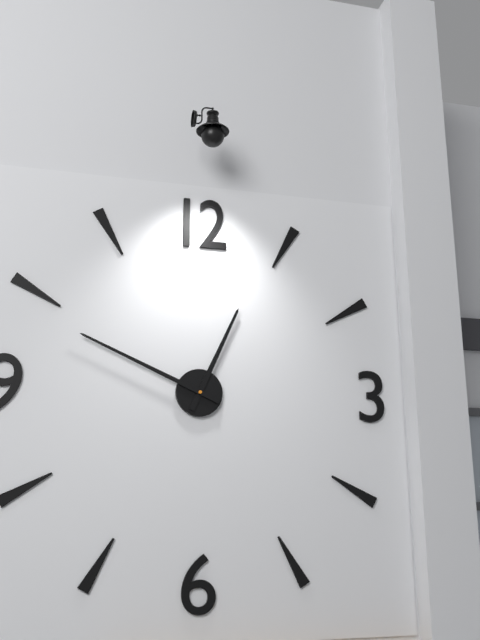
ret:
12.49
